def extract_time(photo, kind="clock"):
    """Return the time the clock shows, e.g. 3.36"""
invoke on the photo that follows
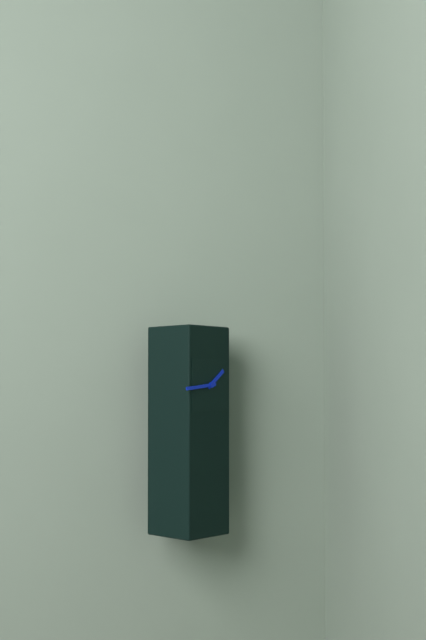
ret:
1.44
